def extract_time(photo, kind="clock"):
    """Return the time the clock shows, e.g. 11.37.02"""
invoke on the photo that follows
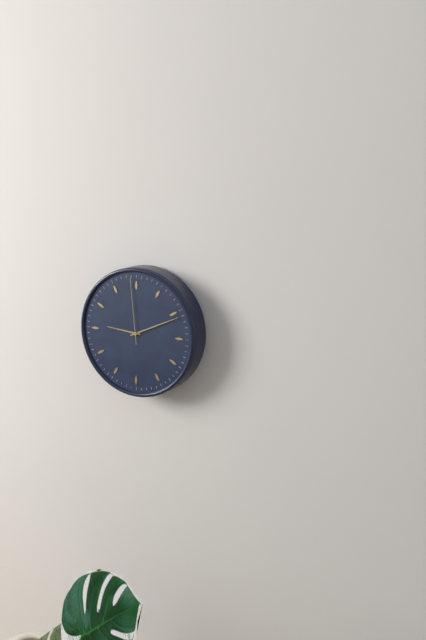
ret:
9.11.59
